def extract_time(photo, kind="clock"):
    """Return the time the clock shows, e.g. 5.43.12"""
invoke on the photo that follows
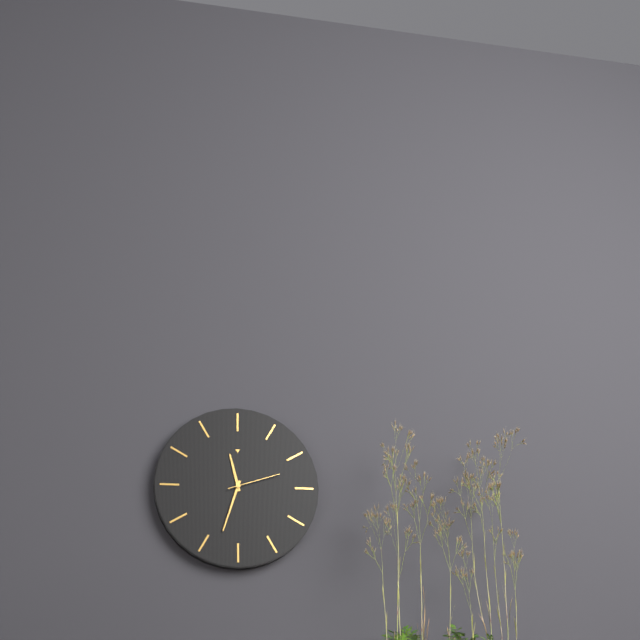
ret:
11.33.12
